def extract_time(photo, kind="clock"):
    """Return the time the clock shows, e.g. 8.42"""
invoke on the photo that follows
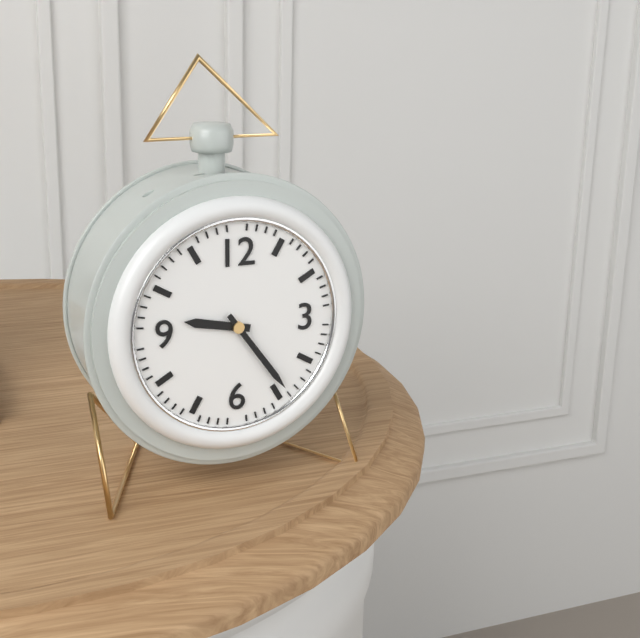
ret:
9.24
